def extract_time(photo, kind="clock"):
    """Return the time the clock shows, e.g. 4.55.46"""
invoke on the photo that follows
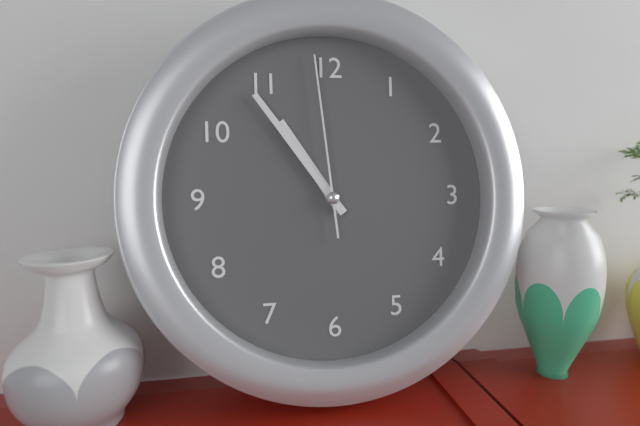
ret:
10.54.59
